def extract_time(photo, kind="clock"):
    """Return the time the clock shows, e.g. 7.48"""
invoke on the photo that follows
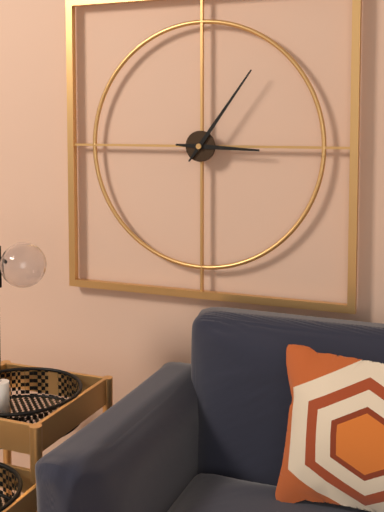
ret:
3.06
